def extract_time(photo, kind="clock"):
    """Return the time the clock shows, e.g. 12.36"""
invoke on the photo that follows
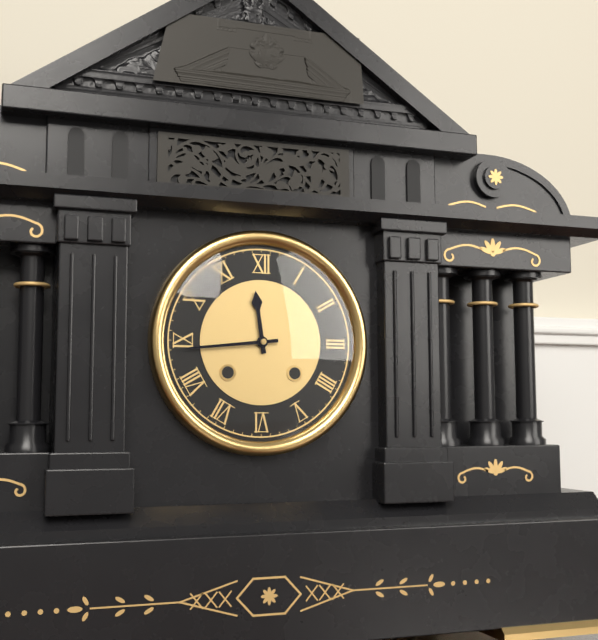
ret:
11.44
